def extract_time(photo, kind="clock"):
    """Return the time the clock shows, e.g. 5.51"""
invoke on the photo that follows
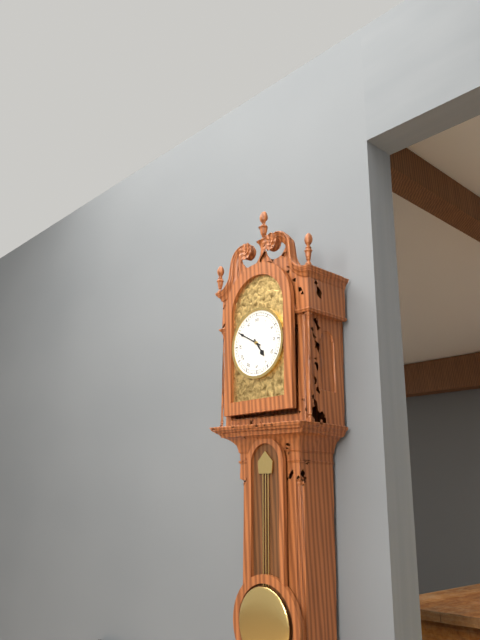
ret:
4.50
